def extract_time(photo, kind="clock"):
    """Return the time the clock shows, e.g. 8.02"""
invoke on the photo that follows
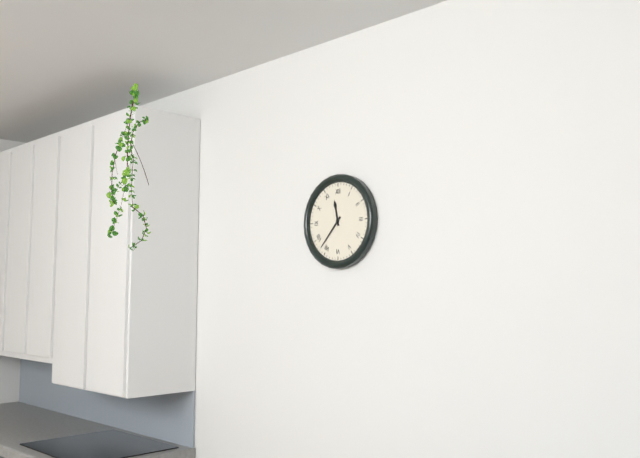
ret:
11.37
